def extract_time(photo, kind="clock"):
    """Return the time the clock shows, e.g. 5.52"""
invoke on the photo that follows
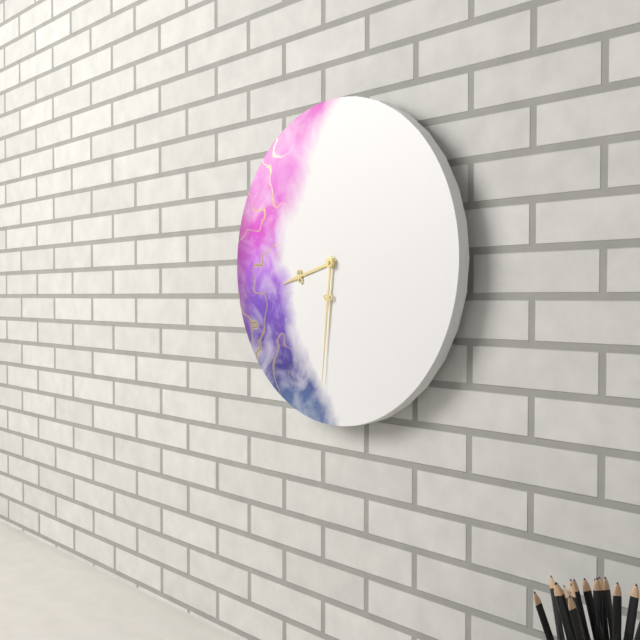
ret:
8.31
